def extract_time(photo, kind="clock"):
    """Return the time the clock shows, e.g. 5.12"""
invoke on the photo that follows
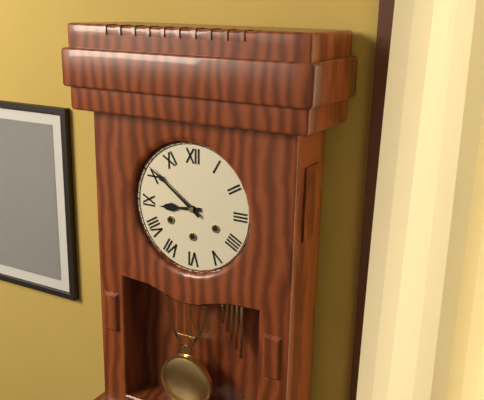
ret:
8.51
